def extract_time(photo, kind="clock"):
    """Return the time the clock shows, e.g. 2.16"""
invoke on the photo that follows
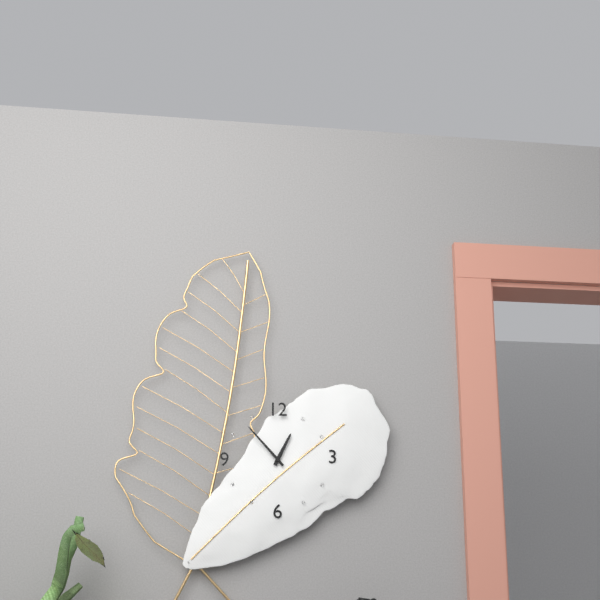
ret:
12.53
